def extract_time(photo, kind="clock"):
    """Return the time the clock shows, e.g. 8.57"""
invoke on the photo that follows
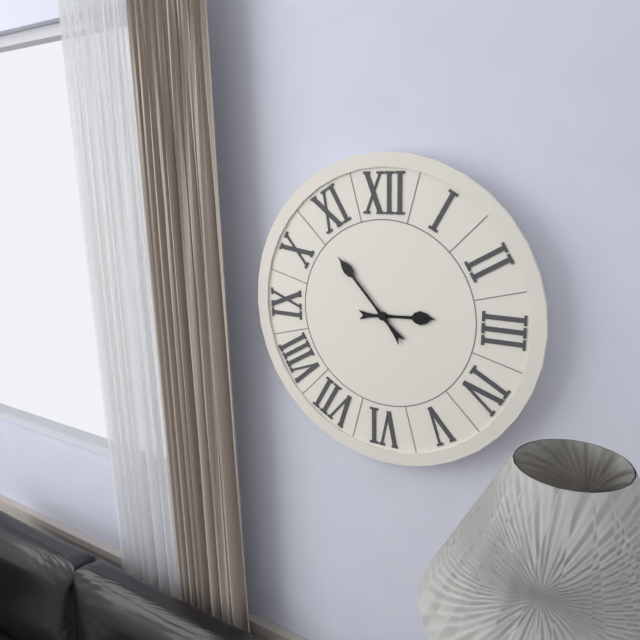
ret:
2.53
